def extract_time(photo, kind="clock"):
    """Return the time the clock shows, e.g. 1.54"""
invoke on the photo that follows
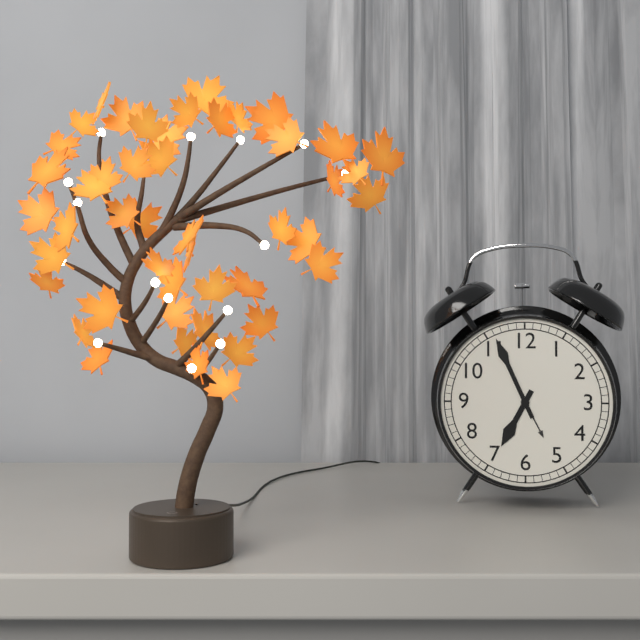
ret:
6.56
